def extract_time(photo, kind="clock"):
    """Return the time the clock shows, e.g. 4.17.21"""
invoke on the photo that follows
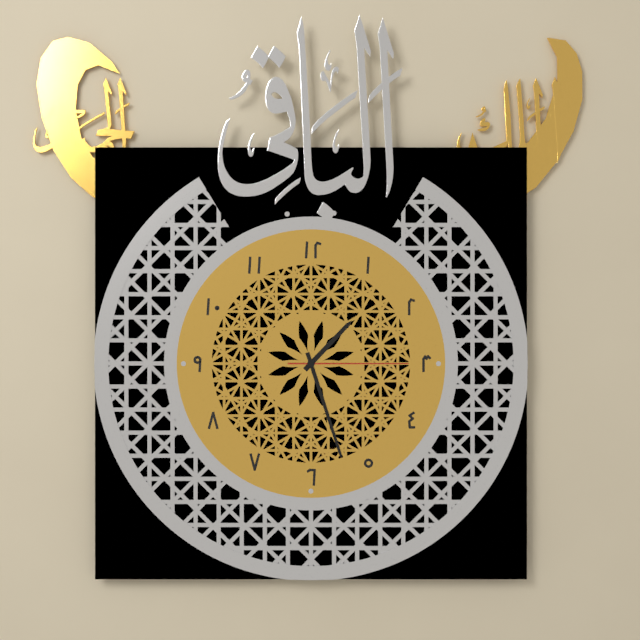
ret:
1.27.15
